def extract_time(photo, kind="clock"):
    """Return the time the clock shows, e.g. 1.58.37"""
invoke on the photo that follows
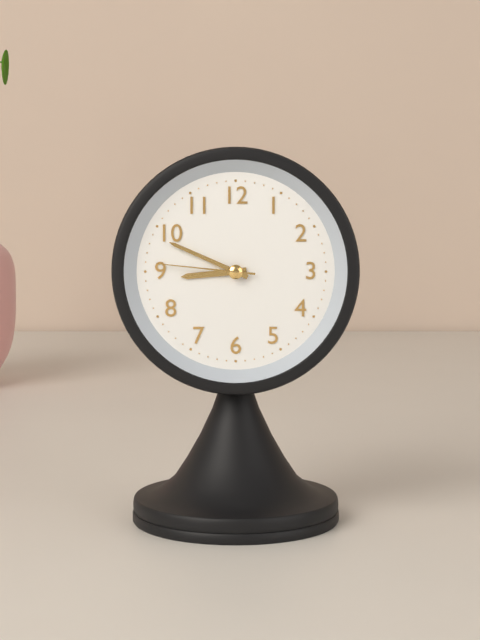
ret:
8.49.46
